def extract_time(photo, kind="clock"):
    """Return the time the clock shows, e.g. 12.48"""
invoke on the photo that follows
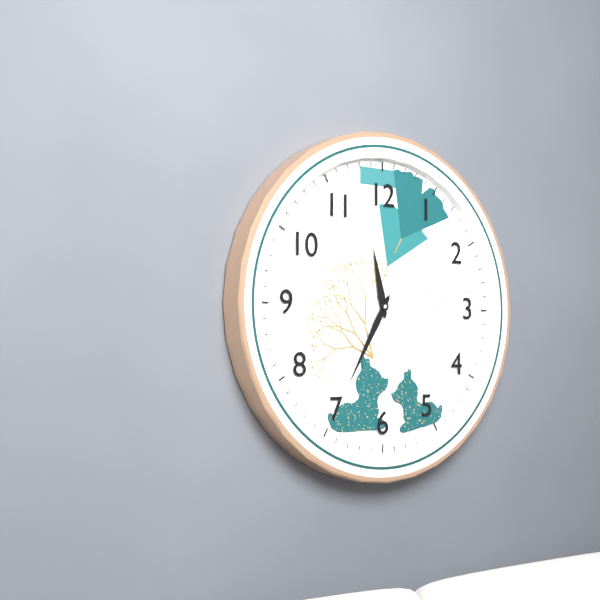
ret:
11.35
